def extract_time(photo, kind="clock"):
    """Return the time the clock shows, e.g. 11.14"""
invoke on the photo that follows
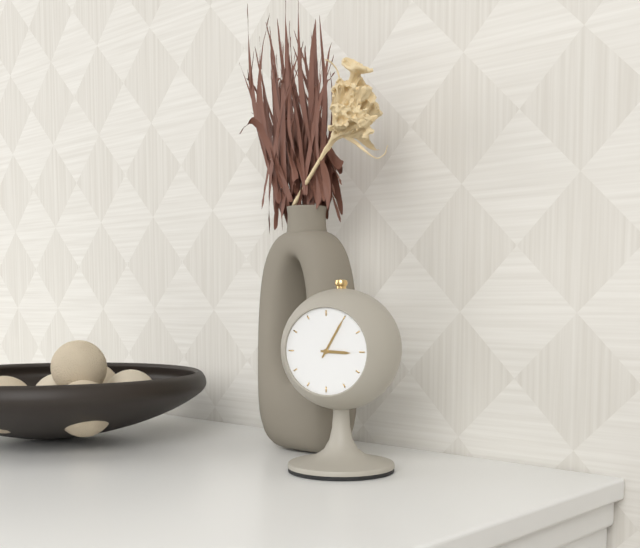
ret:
3.05
